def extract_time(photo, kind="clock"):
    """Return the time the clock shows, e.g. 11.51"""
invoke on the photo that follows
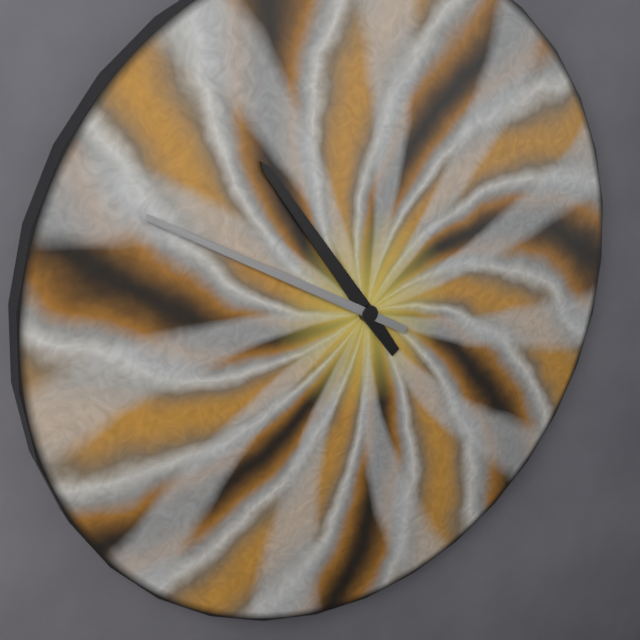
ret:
10.50
